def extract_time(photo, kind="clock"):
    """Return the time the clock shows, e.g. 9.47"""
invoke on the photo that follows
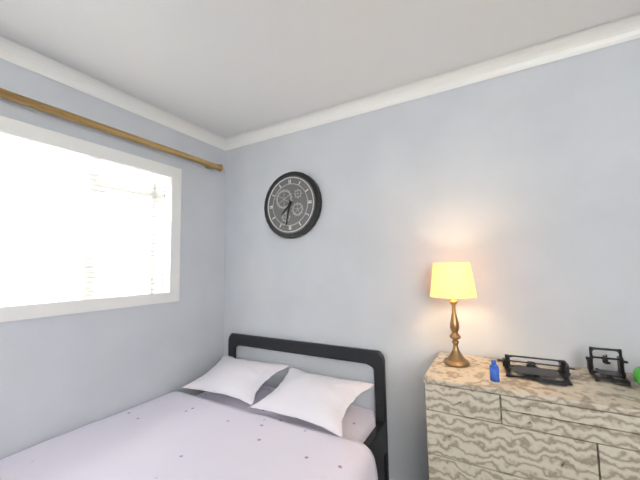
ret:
7.32
